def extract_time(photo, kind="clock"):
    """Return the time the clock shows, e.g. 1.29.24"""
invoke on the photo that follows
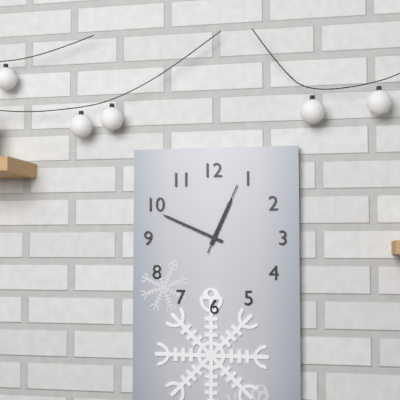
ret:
12.49.04
